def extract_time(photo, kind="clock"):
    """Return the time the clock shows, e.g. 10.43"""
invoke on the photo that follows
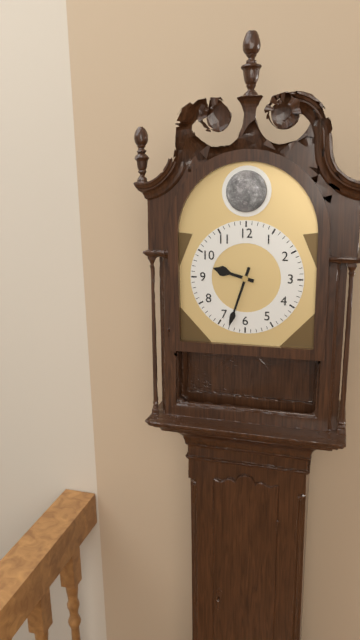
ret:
9.33
